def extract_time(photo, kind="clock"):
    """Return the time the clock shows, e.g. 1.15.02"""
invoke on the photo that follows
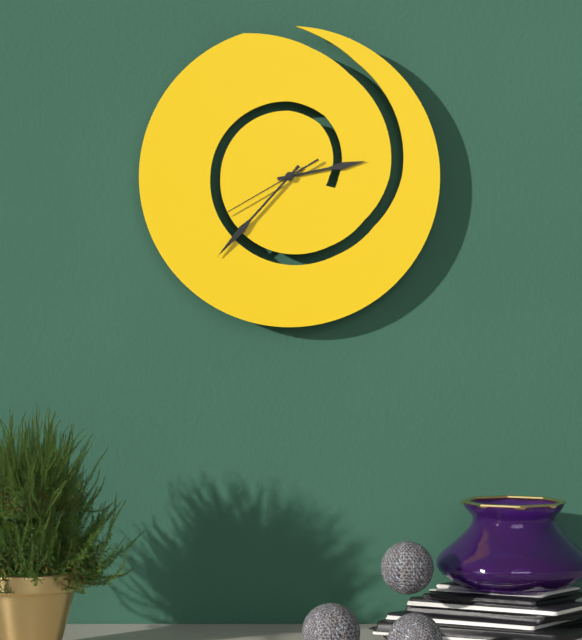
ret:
2.37.40
